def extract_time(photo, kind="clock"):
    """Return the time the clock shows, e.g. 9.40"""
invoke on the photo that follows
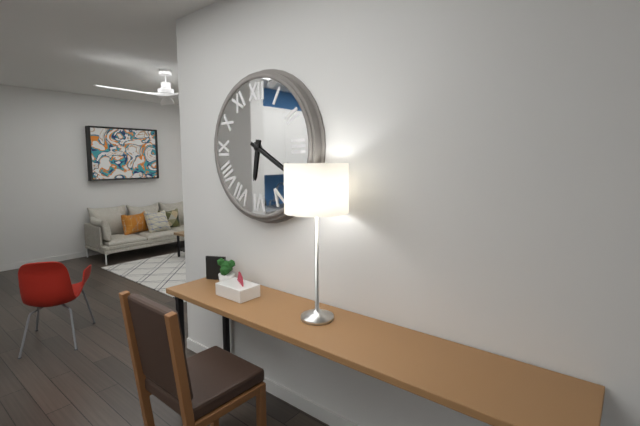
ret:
6.20
